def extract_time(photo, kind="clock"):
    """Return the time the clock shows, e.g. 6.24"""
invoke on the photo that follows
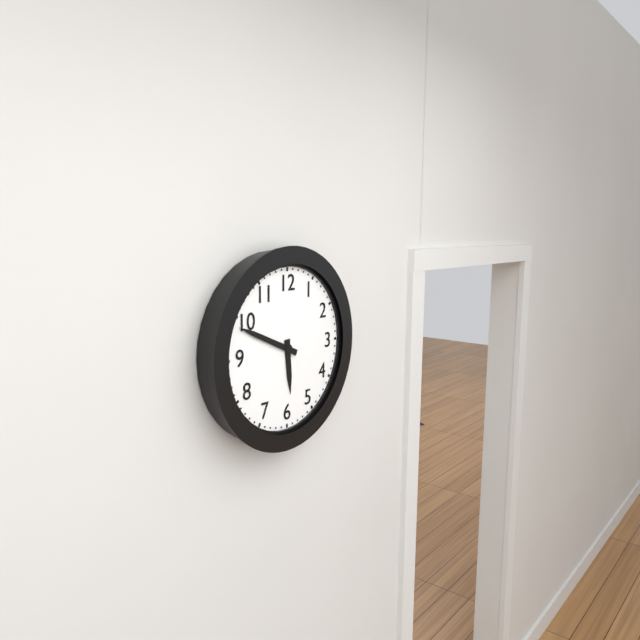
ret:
5.49
